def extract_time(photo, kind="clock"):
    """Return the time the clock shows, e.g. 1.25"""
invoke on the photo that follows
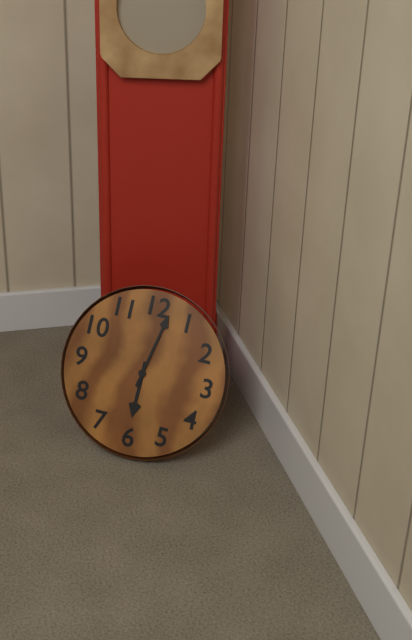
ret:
6.02
